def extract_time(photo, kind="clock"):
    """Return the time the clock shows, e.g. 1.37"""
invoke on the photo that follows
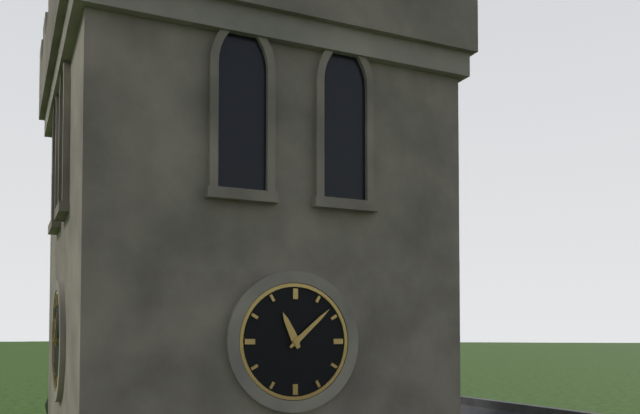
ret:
11.08
